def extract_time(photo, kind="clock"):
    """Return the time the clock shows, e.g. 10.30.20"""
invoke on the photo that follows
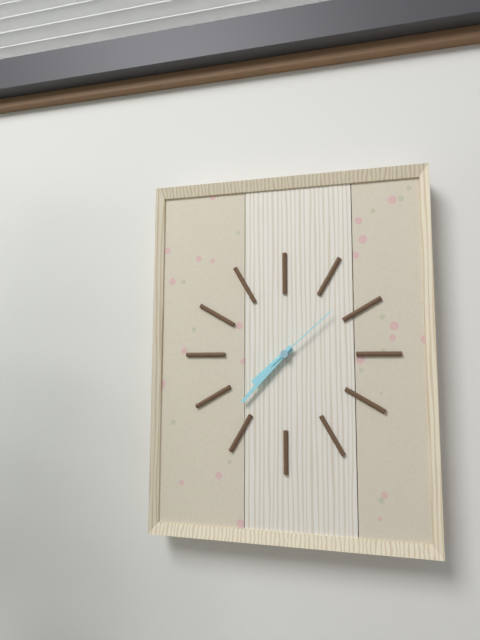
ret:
7.37.08
